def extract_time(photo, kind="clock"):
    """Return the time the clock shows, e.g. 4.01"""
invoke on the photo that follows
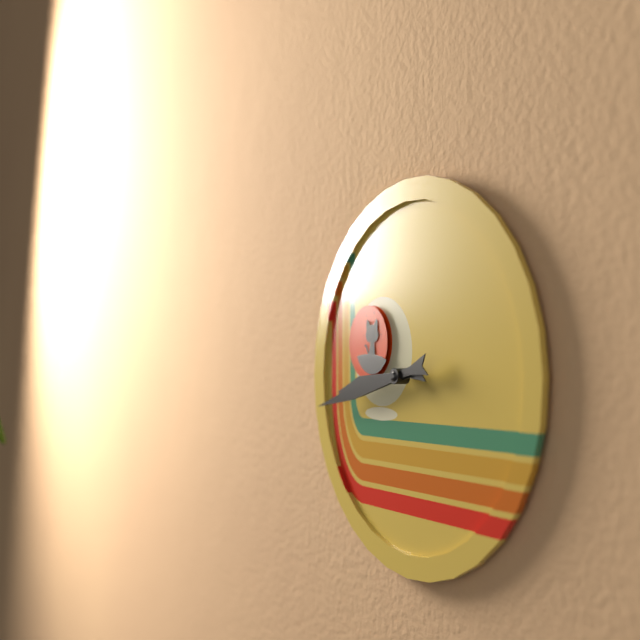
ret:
8.43
